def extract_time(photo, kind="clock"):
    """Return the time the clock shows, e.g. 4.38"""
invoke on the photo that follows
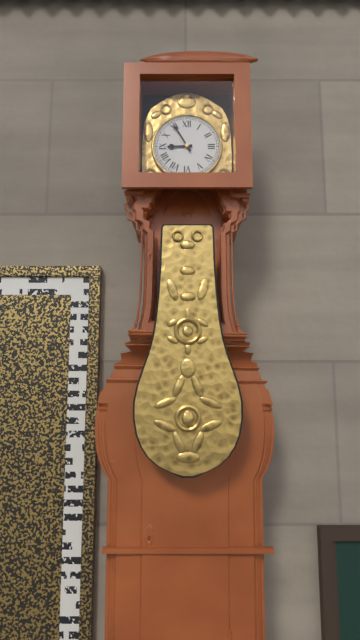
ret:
8.55
